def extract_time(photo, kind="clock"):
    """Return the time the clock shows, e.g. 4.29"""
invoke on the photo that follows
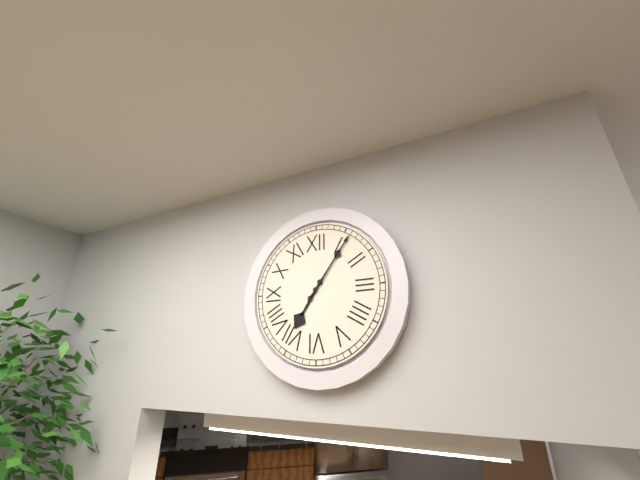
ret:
7.06
